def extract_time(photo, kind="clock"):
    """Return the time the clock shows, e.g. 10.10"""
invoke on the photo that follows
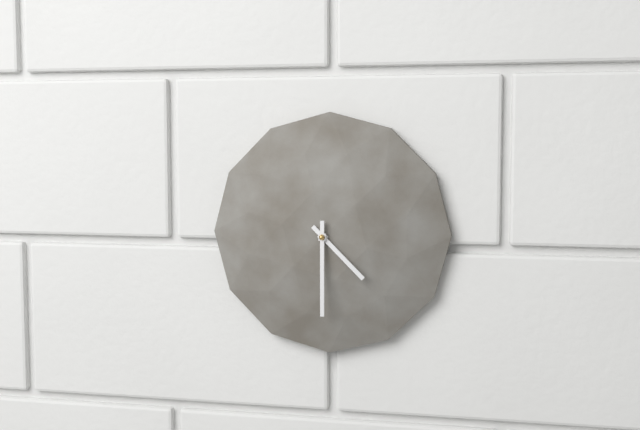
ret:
4.30
